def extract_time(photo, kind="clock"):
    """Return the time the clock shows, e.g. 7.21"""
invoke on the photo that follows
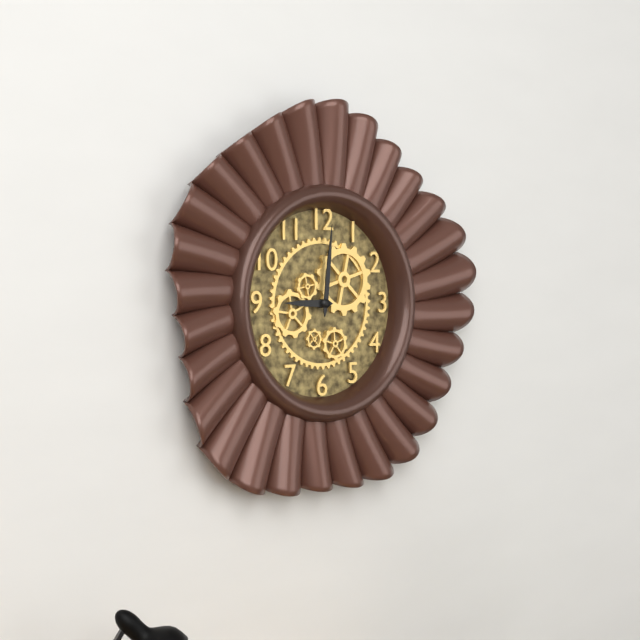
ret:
9.01
